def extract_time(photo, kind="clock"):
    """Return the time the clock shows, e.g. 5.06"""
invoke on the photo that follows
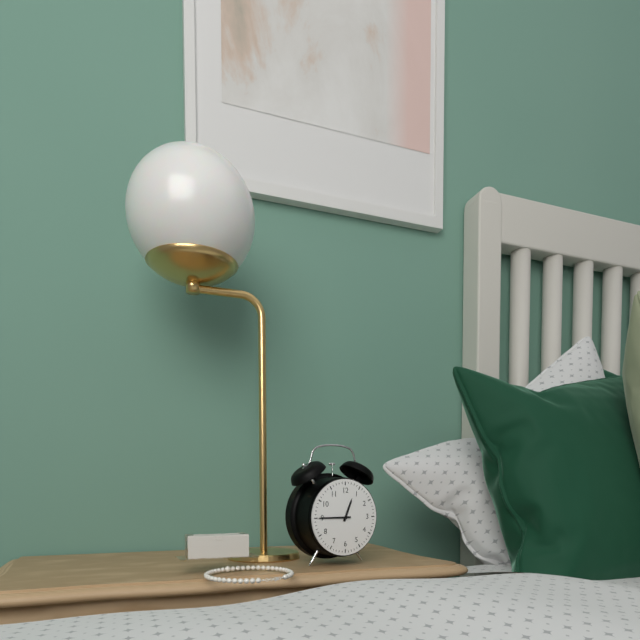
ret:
12.45
